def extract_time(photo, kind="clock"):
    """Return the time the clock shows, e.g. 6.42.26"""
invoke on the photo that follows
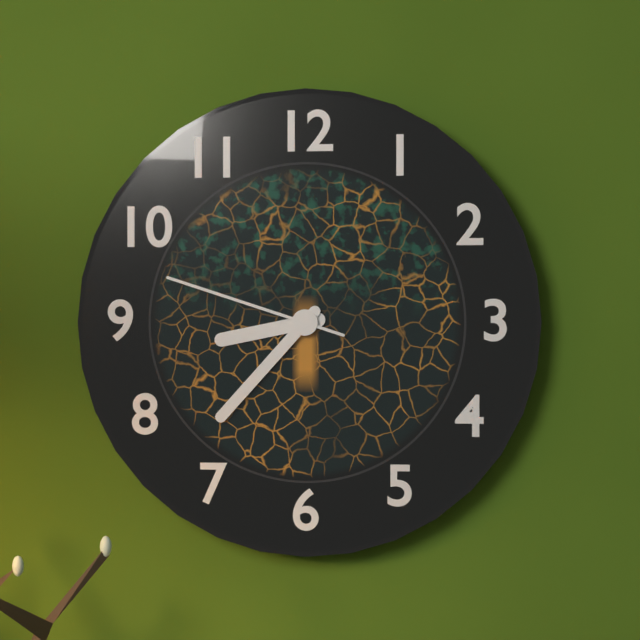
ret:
8.37.48
